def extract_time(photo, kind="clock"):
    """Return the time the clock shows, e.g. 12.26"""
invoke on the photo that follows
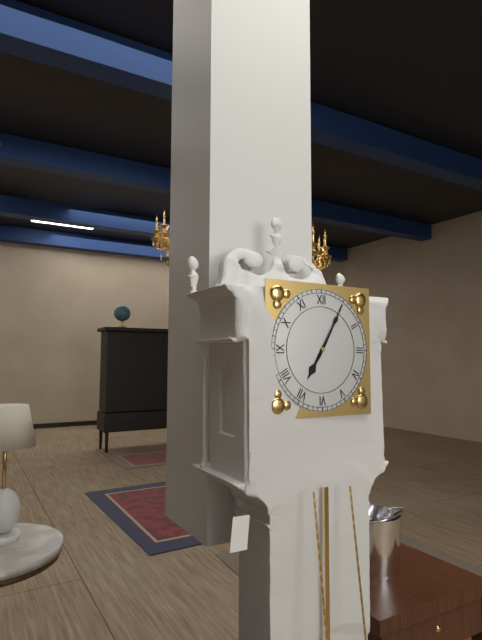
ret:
7.05
